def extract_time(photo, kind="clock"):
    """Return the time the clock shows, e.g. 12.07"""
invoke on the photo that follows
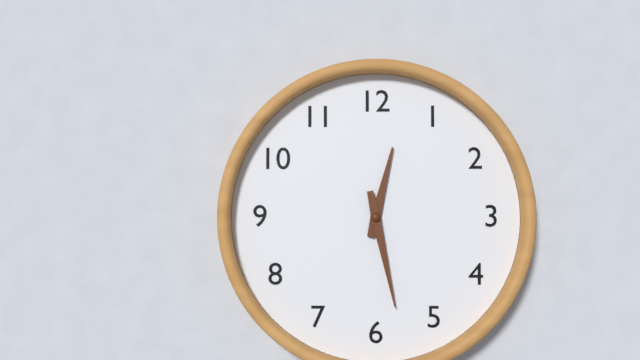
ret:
12.28
